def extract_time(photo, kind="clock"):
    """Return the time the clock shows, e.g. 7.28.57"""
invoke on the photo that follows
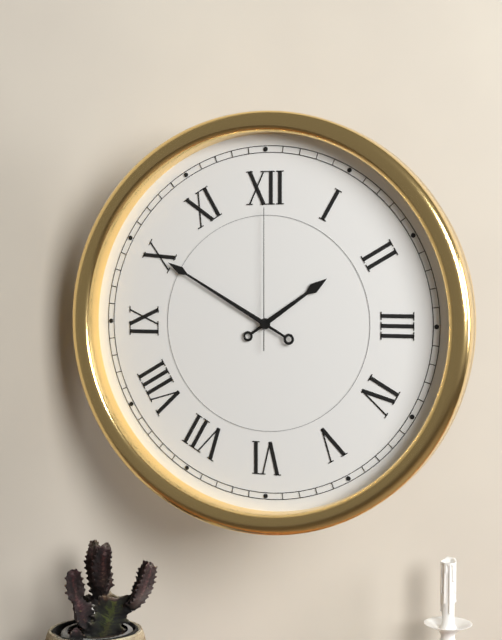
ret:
1.50.00
